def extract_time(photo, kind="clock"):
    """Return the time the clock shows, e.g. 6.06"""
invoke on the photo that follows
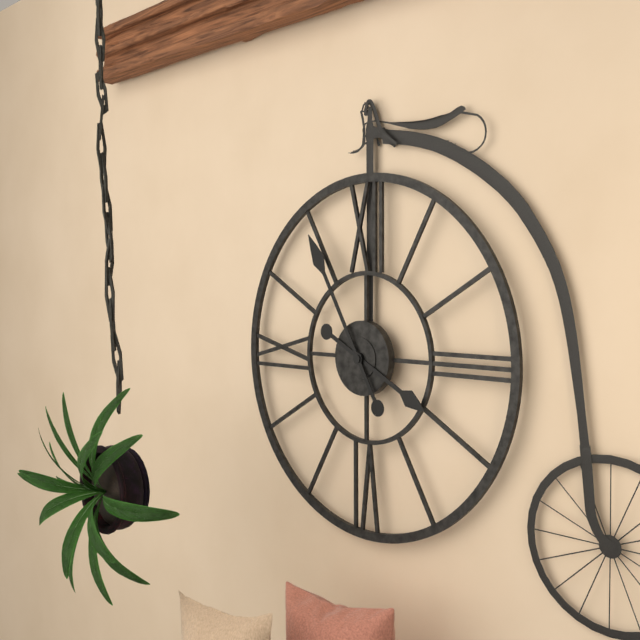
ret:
3.55
